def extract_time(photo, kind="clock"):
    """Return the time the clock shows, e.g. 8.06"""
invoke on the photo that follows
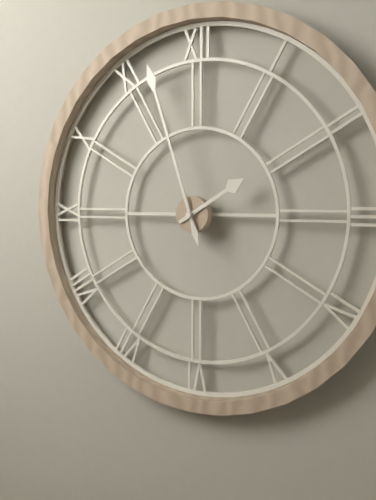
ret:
1.57
